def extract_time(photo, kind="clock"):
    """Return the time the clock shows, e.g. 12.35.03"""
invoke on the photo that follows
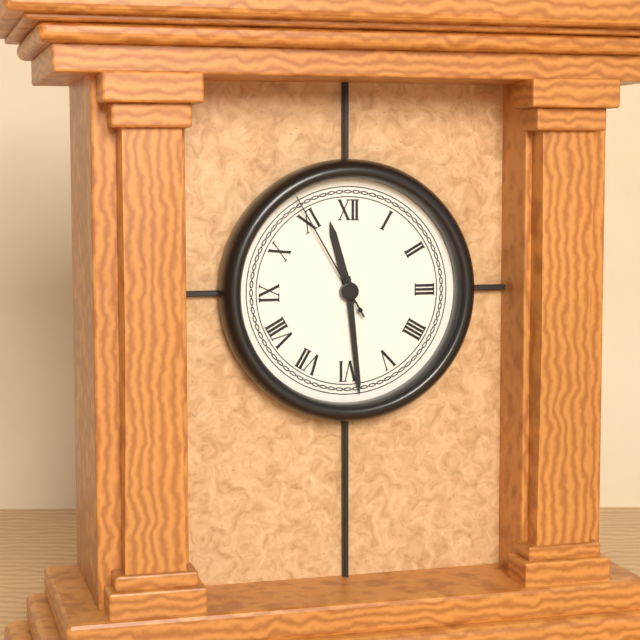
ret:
11.29.55
